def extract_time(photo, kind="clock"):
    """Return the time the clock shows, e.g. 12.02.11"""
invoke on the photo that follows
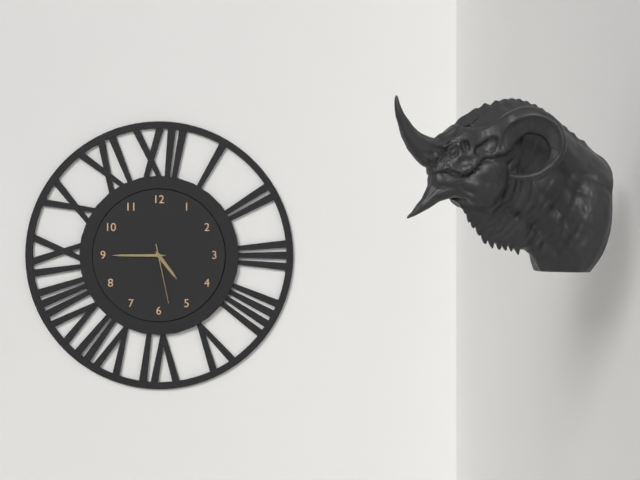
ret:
4.45.28
